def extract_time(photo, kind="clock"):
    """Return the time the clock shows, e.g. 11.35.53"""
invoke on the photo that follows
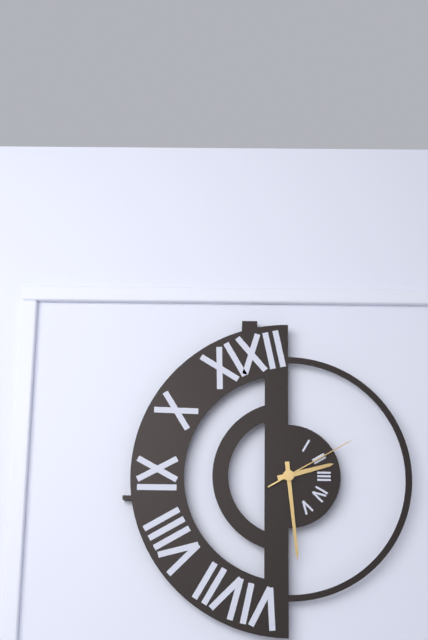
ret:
2.29.10
